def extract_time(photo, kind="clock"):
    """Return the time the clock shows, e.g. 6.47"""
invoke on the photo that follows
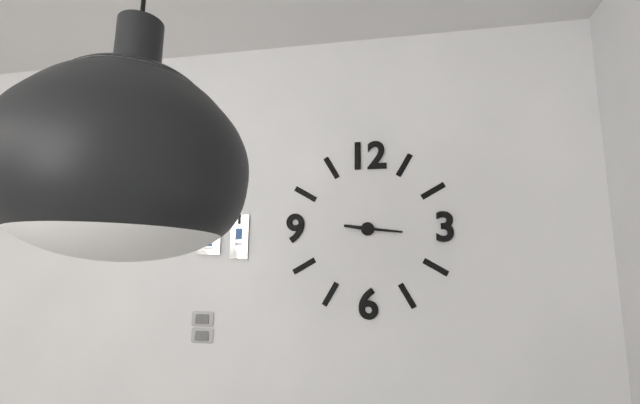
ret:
9.16
